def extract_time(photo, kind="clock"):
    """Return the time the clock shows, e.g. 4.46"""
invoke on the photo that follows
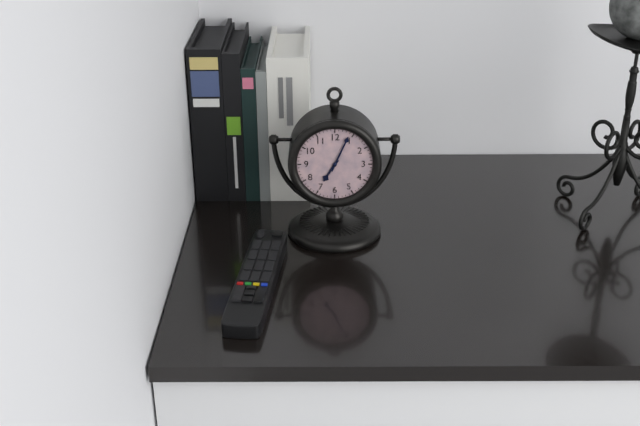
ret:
7.04
